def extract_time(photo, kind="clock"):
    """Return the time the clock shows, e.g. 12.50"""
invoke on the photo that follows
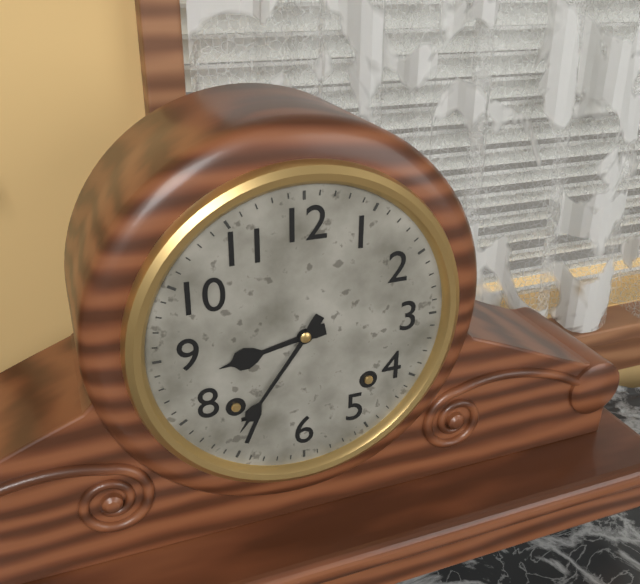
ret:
8.36
